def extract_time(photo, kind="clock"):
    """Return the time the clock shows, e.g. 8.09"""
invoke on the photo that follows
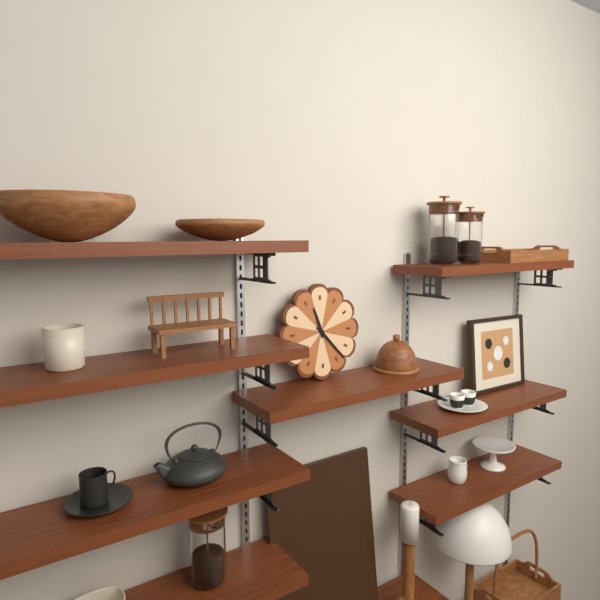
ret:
11.23
